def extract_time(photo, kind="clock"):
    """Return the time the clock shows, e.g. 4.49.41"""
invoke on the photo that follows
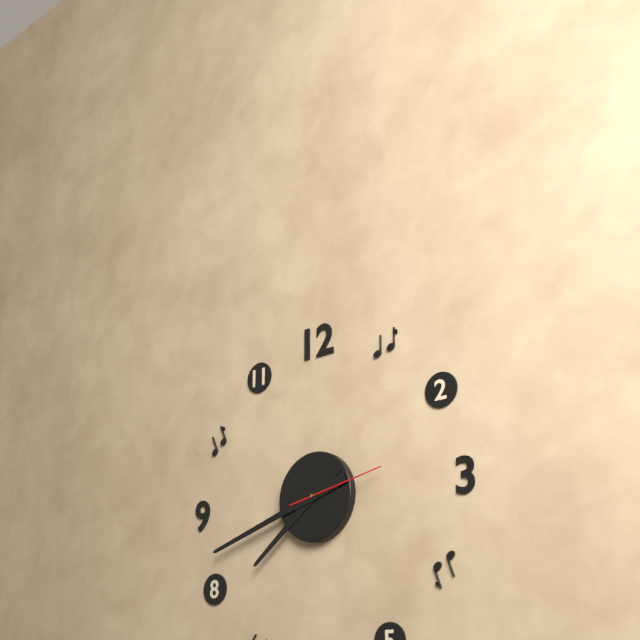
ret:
7.42.13
